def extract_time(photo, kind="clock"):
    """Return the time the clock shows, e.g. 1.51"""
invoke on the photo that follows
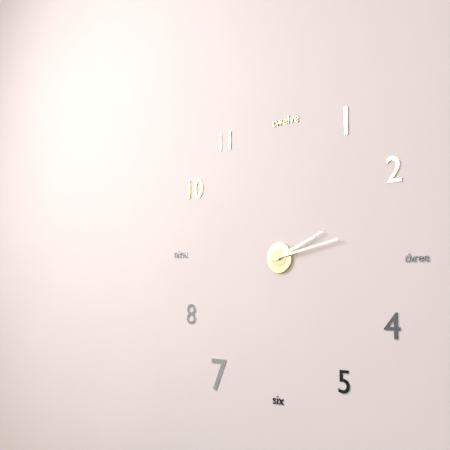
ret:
2.13
